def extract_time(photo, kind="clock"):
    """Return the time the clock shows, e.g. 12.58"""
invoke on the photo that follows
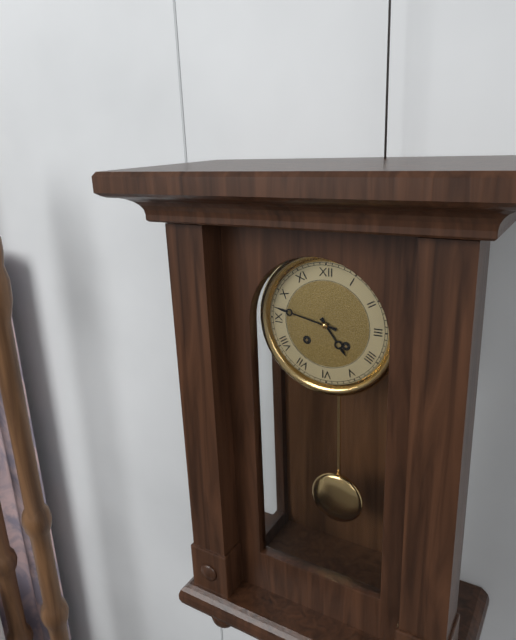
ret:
4.47
